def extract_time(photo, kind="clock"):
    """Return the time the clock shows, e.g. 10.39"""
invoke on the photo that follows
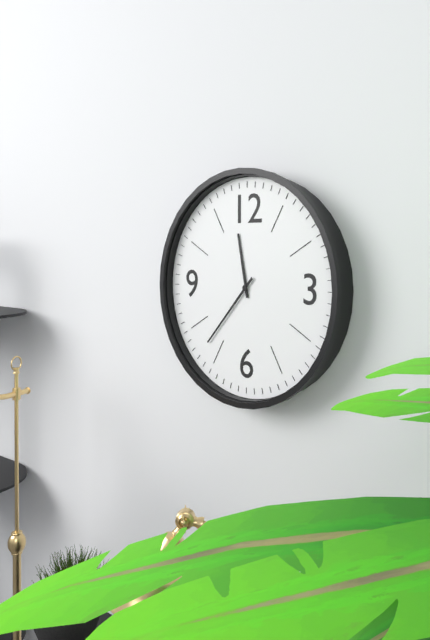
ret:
11.37
